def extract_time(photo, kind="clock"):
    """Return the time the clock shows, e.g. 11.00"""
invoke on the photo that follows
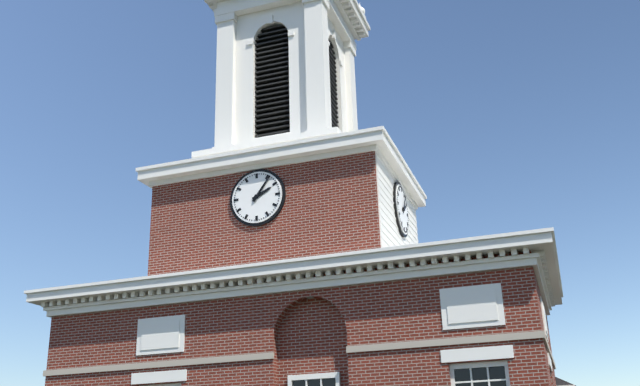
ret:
2.06
